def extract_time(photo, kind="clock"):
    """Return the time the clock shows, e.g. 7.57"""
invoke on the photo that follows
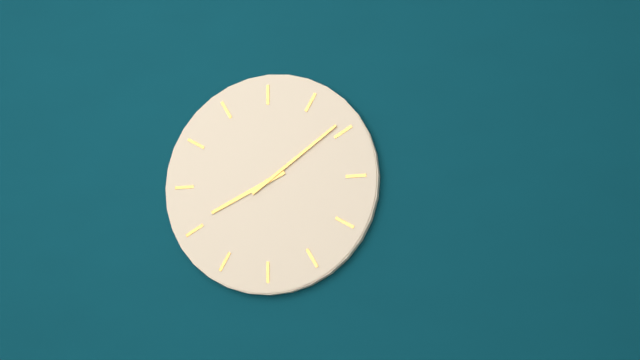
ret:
8.09
